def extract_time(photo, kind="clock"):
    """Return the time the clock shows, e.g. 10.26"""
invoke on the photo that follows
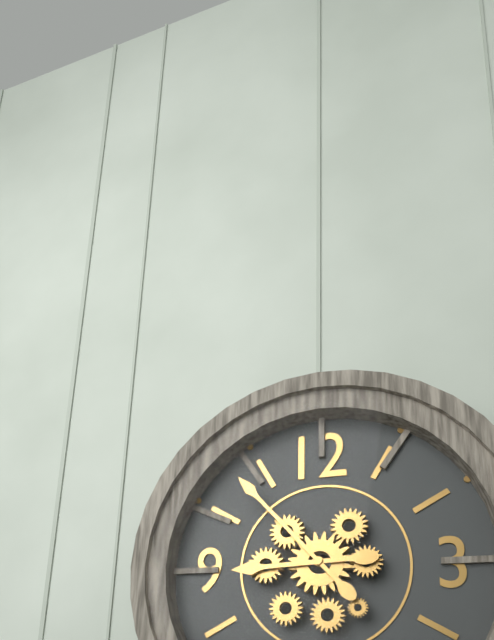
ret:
8.53
